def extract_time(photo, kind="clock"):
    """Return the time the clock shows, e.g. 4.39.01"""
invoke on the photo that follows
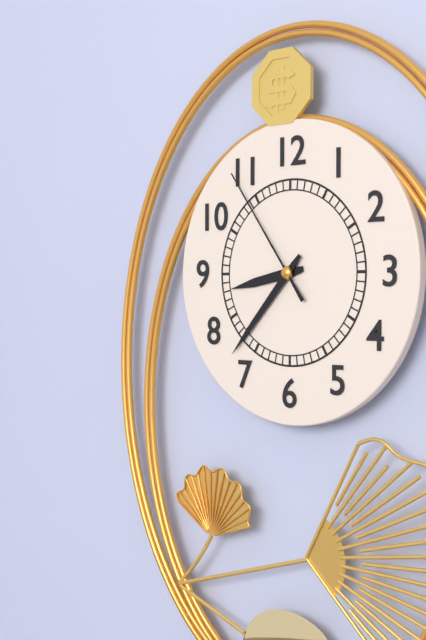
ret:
8.37.54
